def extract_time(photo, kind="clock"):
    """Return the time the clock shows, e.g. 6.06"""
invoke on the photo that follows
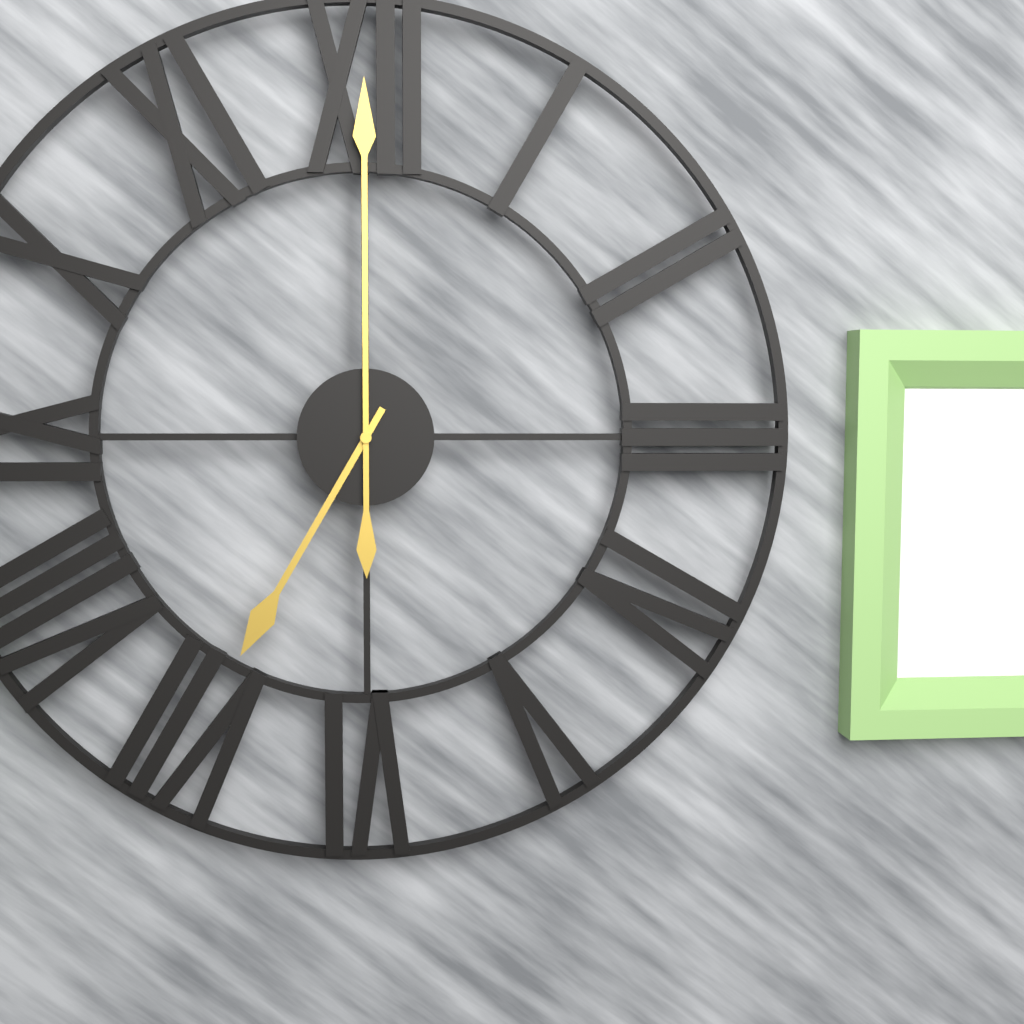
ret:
7.00
